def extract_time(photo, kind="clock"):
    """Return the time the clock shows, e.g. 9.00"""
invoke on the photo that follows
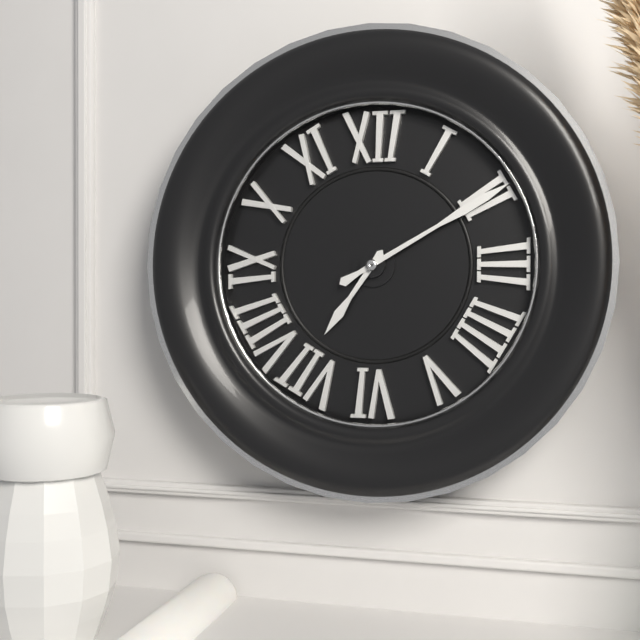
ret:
7.10
